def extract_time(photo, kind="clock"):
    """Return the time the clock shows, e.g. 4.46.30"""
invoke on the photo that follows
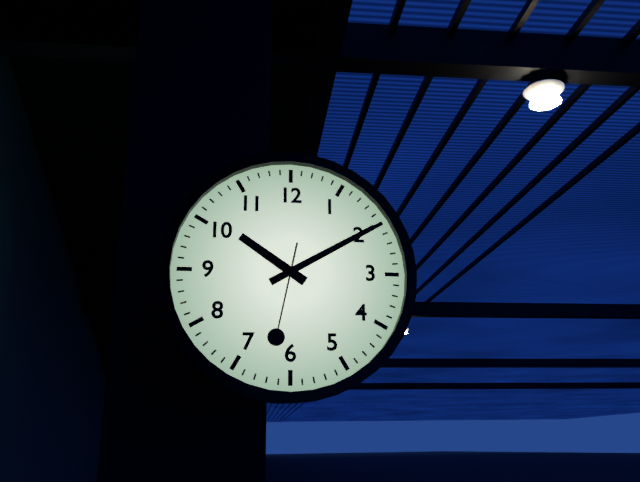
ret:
10.10.32
